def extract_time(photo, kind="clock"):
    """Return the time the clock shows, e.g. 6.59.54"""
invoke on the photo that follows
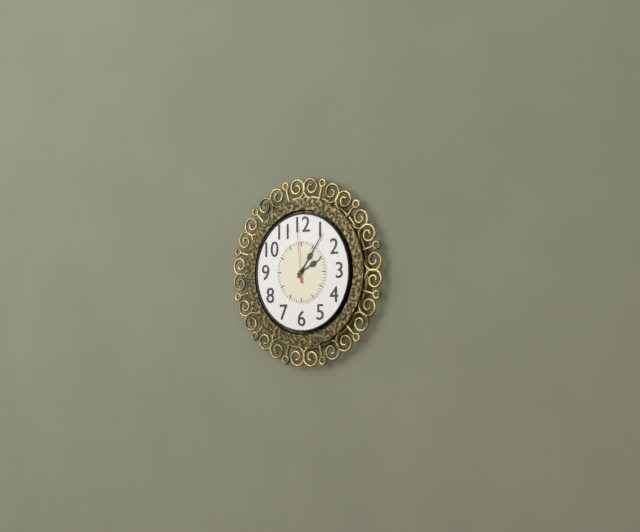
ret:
2.06.59
